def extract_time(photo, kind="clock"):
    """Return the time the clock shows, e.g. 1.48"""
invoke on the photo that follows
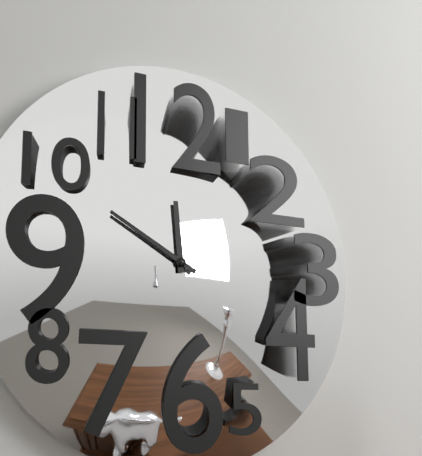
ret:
11.50
